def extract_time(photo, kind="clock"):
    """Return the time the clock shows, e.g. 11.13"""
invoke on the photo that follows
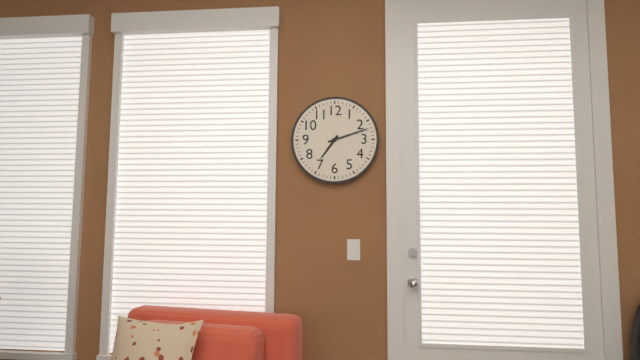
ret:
7.12
